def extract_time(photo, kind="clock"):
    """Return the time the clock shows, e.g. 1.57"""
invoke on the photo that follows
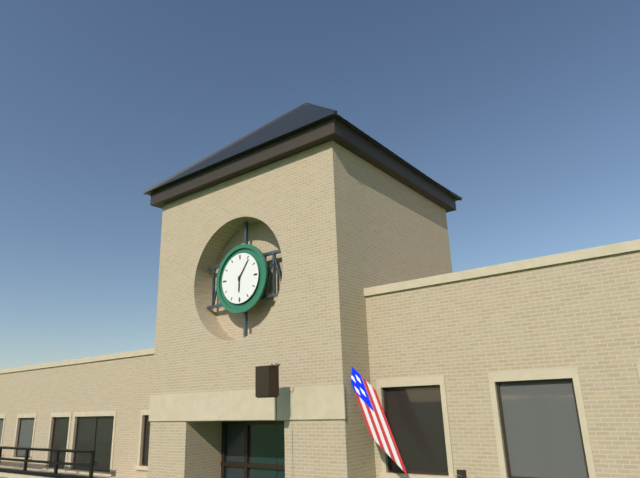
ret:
6.06
